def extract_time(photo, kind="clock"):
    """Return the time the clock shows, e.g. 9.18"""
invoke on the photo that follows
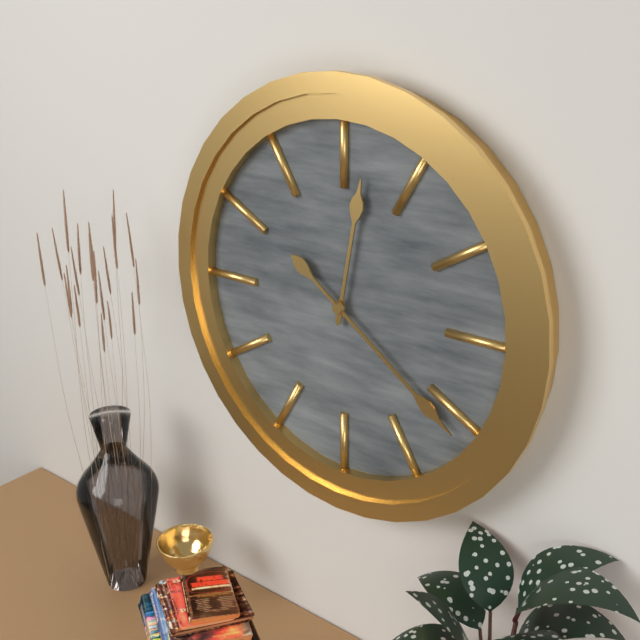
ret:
12.21
